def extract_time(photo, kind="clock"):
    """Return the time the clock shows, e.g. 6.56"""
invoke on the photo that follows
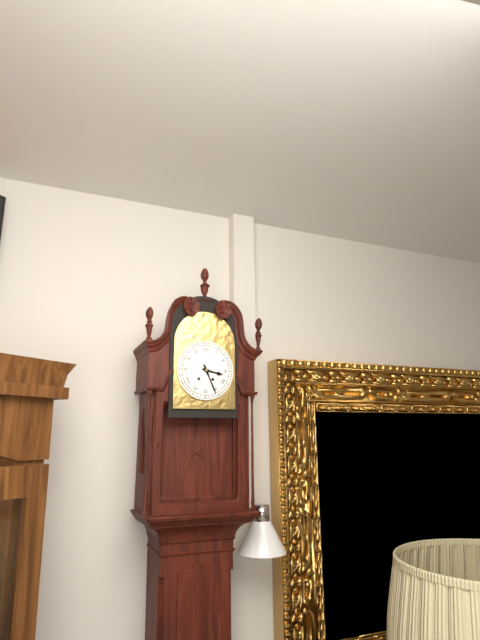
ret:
3.26
